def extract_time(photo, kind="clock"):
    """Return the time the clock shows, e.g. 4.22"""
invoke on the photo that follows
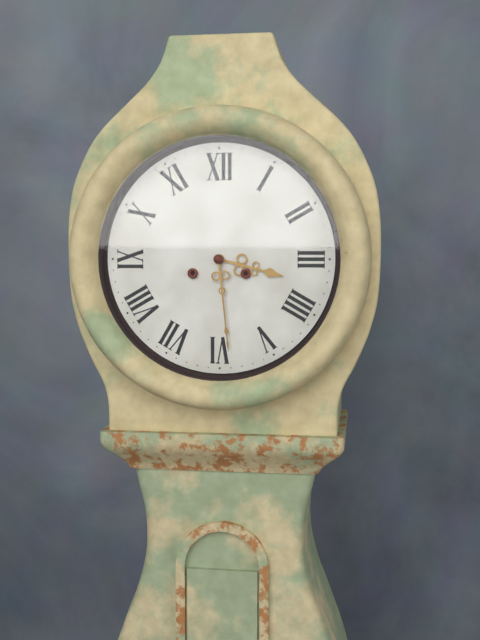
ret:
3.29
